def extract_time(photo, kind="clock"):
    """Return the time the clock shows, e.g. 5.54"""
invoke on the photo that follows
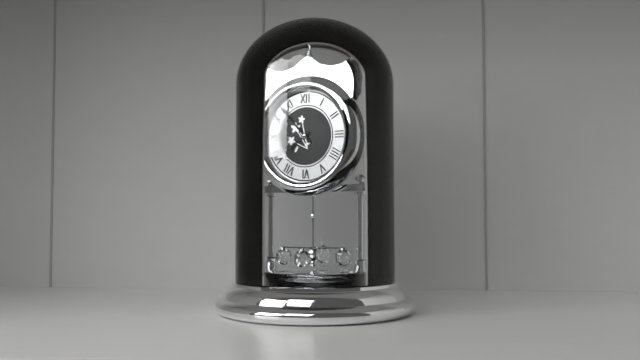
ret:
7.53
